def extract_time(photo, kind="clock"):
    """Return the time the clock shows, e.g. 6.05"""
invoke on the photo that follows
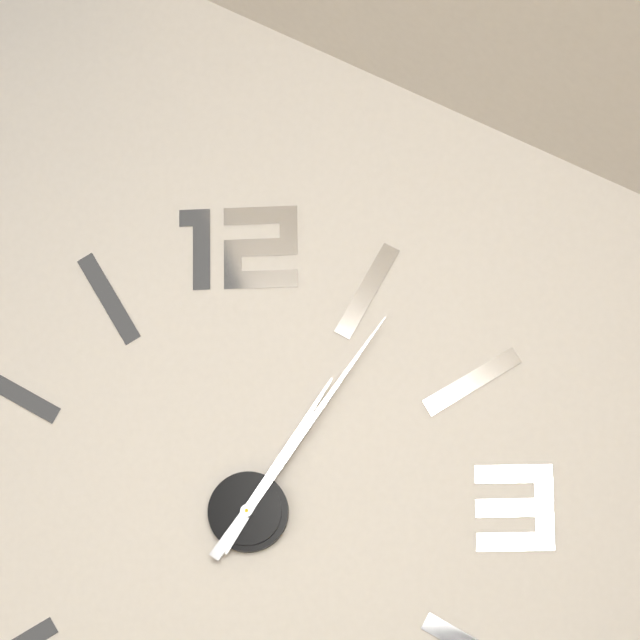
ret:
1.06
